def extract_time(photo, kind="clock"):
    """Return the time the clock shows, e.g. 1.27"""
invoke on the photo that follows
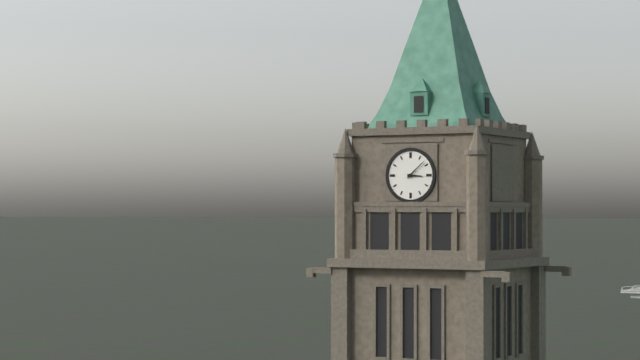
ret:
3.08
